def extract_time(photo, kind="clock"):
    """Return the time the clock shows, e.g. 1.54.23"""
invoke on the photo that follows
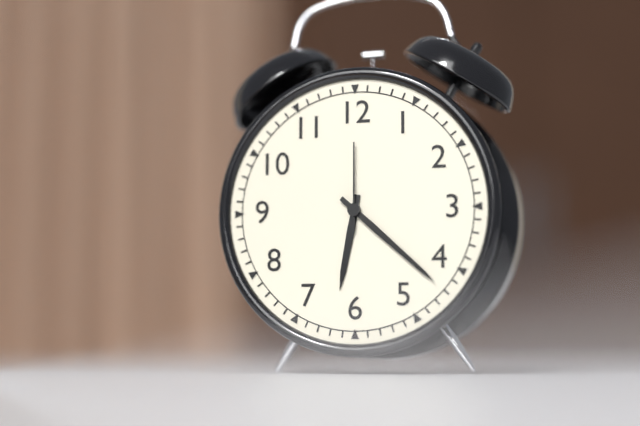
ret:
6.22.00
